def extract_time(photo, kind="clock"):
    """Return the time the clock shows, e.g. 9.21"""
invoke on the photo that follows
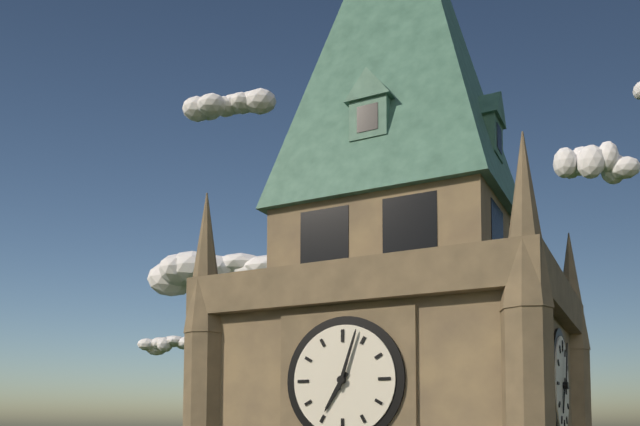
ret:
7.03
